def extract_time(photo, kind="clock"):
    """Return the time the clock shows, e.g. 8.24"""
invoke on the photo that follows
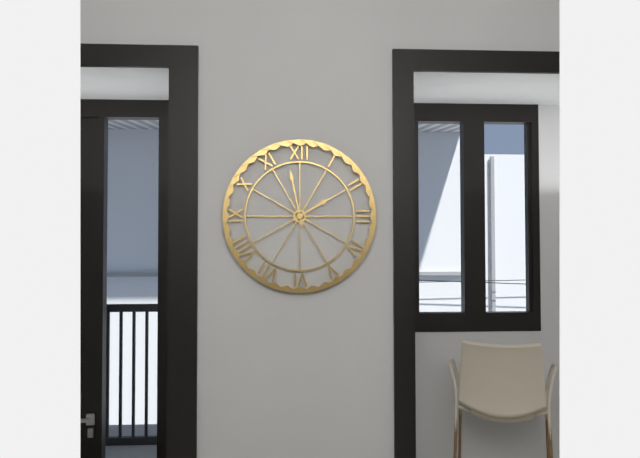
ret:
1.58
